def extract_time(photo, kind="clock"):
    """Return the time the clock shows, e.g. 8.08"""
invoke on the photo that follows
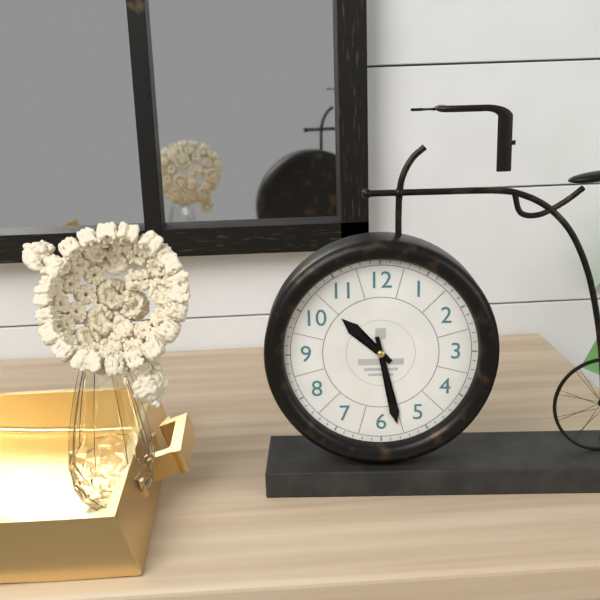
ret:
10.28
